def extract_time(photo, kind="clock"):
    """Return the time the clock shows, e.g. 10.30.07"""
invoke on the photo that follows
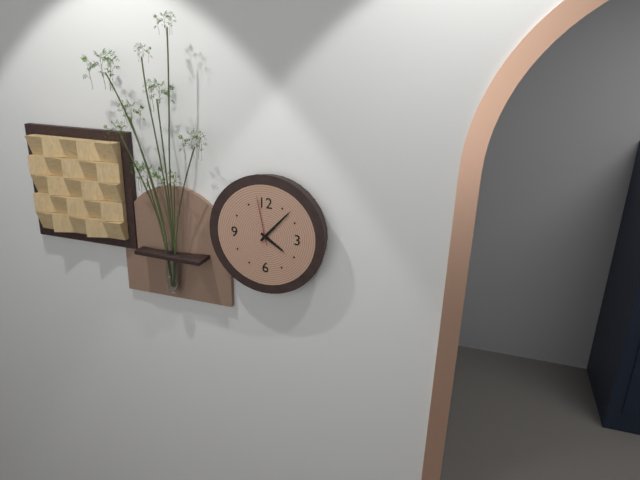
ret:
4.07.58
